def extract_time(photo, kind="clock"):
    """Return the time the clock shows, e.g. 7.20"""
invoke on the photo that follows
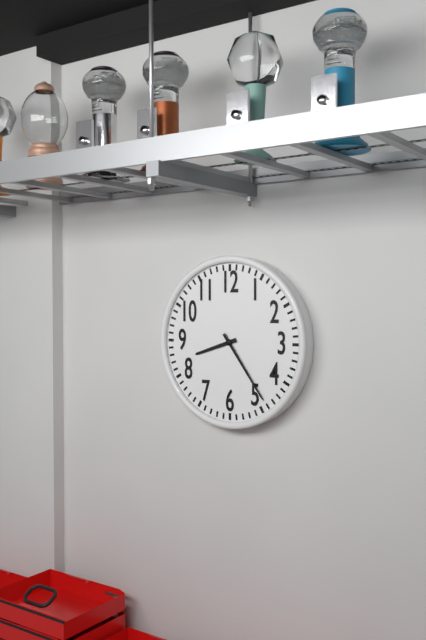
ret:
8.24
